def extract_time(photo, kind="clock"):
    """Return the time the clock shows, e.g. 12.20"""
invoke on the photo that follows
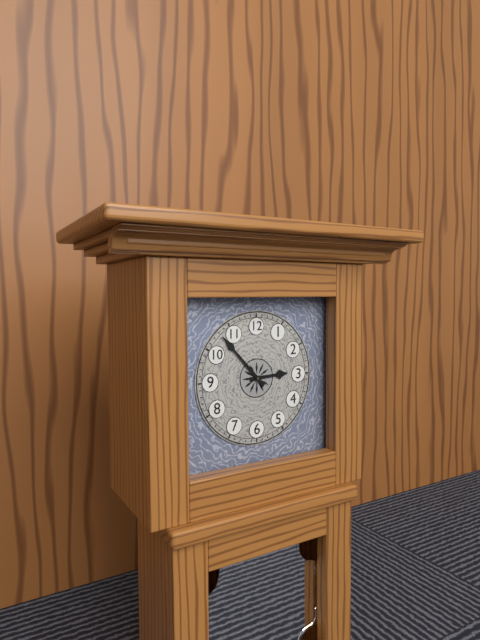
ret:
2.53
